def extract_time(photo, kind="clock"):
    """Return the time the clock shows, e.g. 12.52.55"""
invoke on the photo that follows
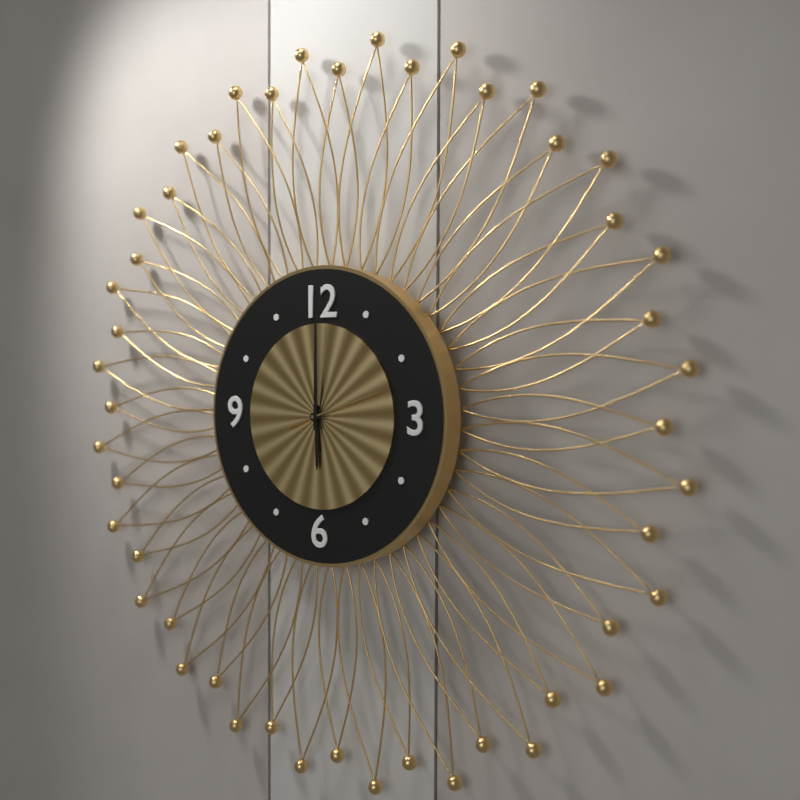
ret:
6.00.12
